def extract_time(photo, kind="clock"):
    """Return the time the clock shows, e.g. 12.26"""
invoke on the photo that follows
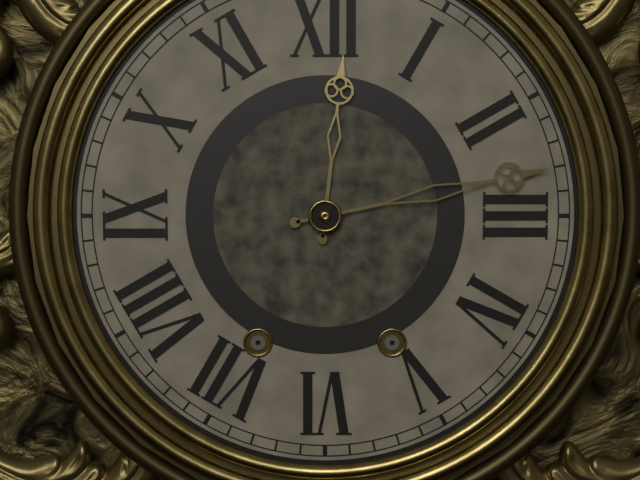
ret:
12.13
